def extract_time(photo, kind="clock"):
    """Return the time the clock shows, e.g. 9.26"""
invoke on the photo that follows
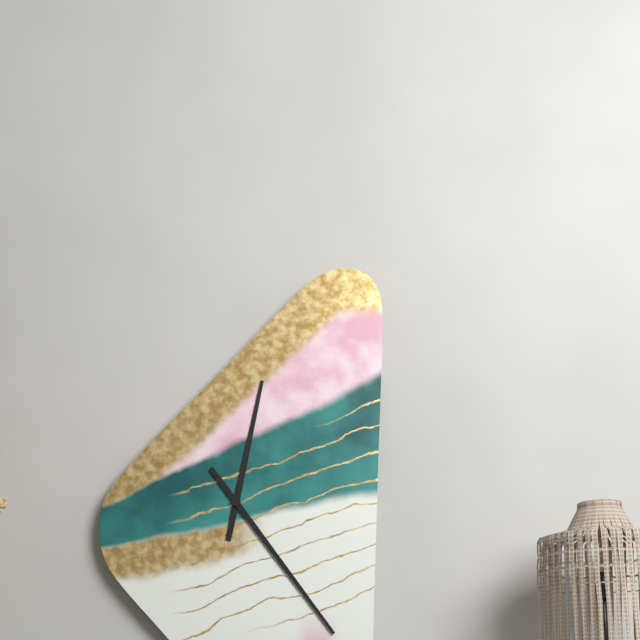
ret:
12.24
